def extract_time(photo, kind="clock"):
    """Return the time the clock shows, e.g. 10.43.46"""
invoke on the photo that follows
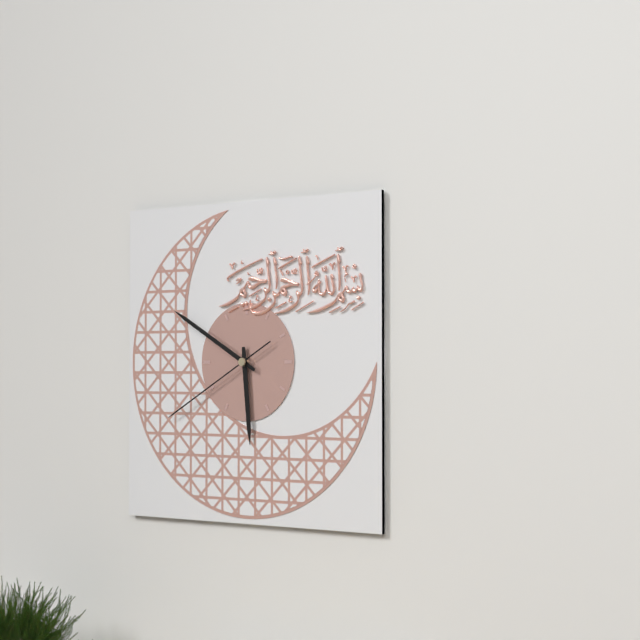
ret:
5.50.40
